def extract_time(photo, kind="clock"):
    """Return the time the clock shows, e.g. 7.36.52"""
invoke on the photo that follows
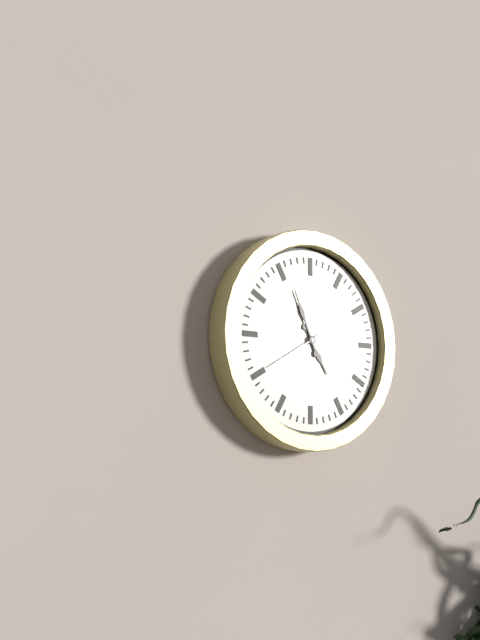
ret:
4.56.40
